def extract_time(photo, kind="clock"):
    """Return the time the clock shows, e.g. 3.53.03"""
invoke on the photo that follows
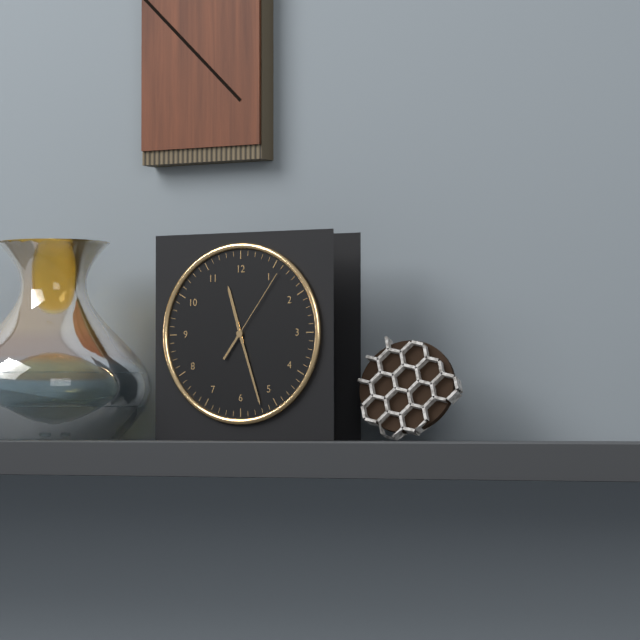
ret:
11.27.06
